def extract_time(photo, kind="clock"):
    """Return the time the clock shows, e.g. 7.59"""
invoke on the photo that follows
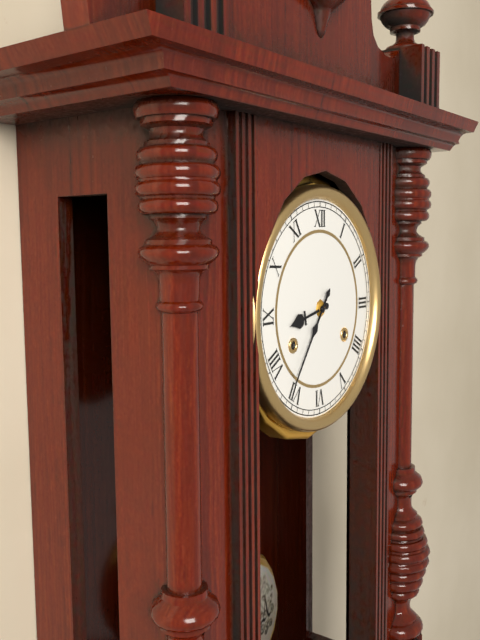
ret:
8.36
